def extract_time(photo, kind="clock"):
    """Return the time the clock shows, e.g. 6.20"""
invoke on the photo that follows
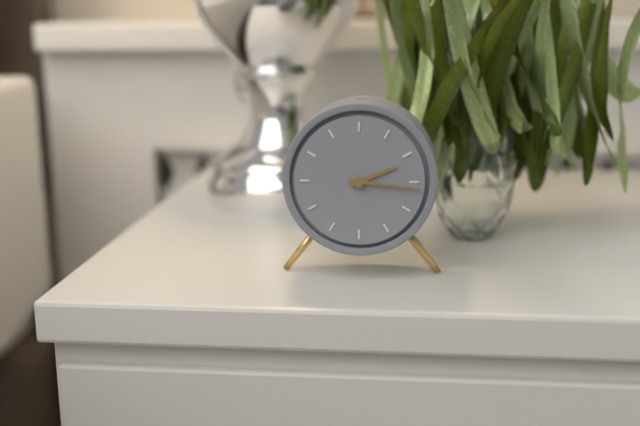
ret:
2.16
